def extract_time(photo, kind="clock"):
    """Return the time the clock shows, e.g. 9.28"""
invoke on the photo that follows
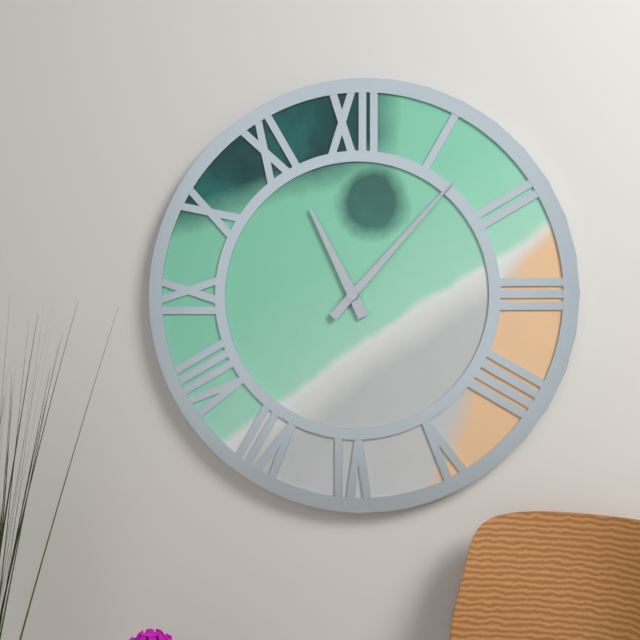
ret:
11.07
